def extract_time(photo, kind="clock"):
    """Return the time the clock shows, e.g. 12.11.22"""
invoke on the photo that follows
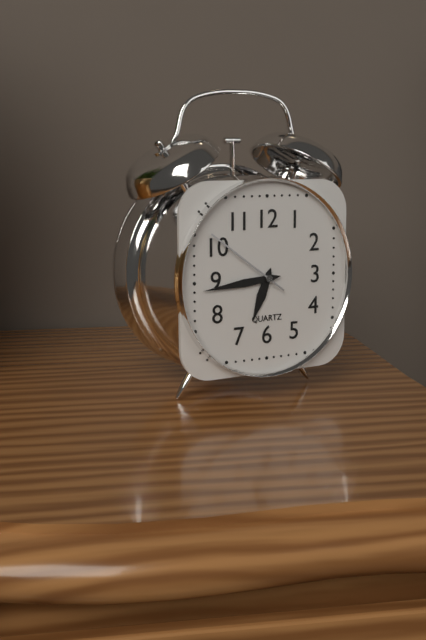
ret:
6.44.51
